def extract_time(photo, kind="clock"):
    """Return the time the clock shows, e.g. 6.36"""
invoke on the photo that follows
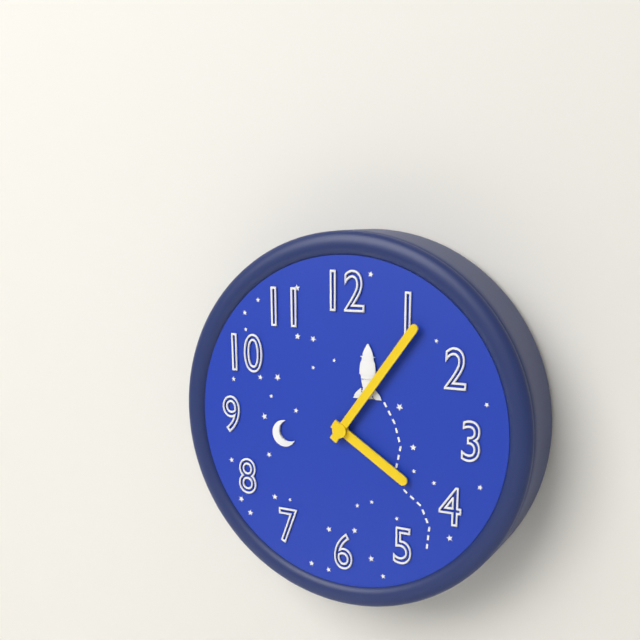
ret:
4.06
